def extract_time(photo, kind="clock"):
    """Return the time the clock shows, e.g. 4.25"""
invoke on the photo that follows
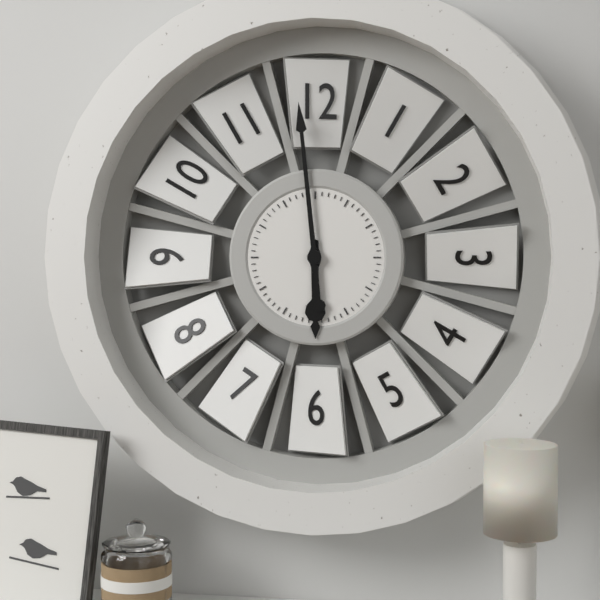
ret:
5.59
